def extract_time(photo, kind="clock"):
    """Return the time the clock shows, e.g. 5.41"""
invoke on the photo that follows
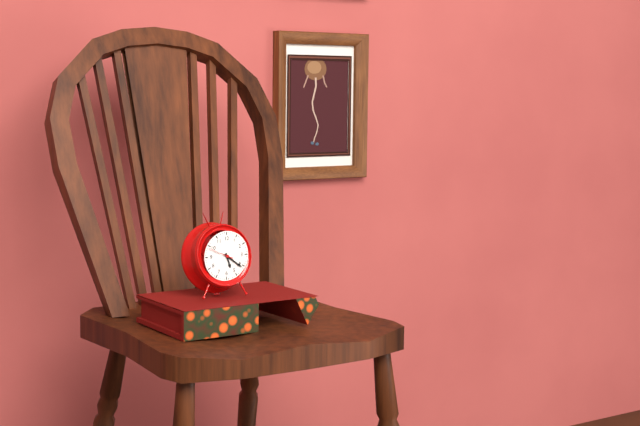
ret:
5.21
